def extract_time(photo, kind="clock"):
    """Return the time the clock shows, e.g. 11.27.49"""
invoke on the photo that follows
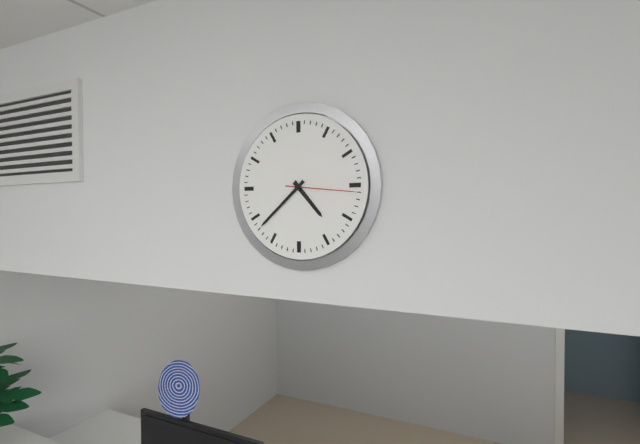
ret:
4.38.16
